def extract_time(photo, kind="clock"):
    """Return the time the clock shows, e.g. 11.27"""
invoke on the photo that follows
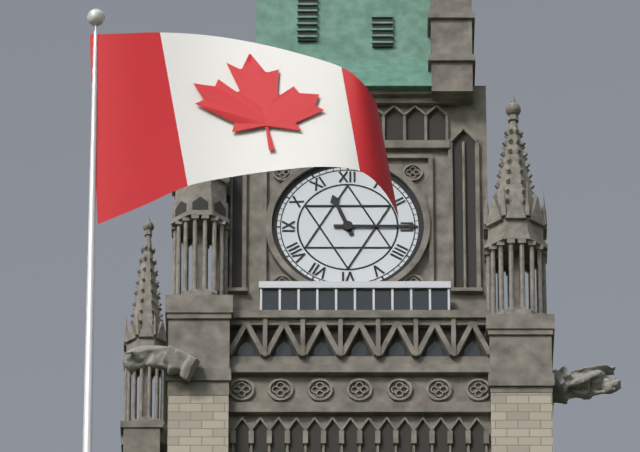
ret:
11.15
